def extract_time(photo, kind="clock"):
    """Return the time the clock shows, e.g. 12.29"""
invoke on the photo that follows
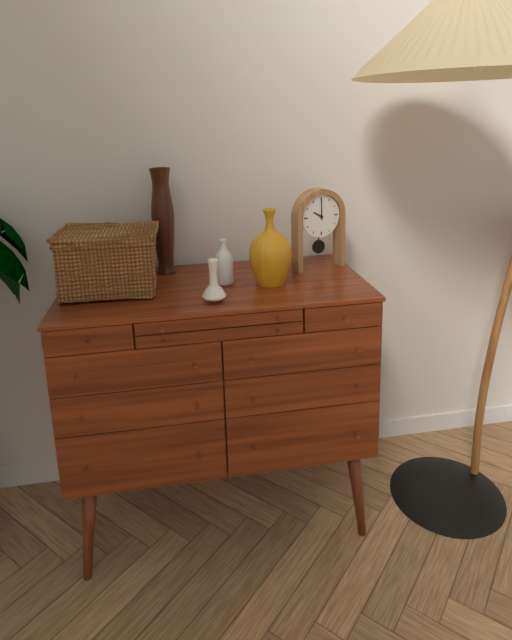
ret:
10.00
